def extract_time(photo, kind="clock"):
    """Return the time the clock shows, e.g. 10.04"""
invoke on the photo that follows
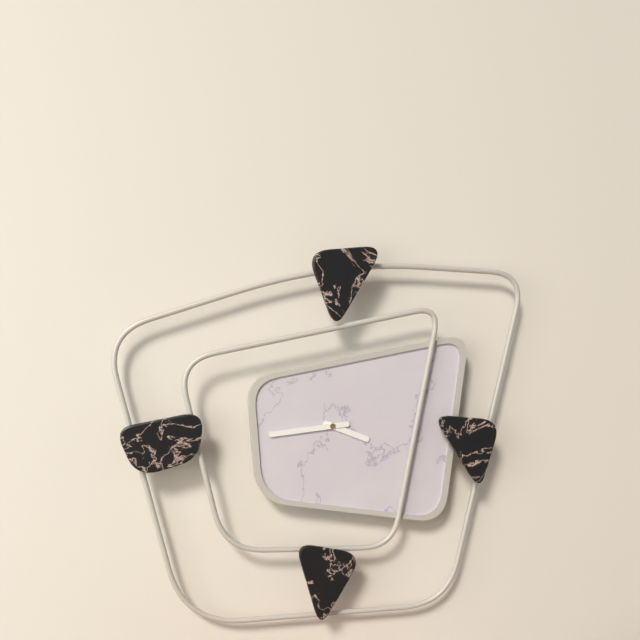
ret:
3.44
